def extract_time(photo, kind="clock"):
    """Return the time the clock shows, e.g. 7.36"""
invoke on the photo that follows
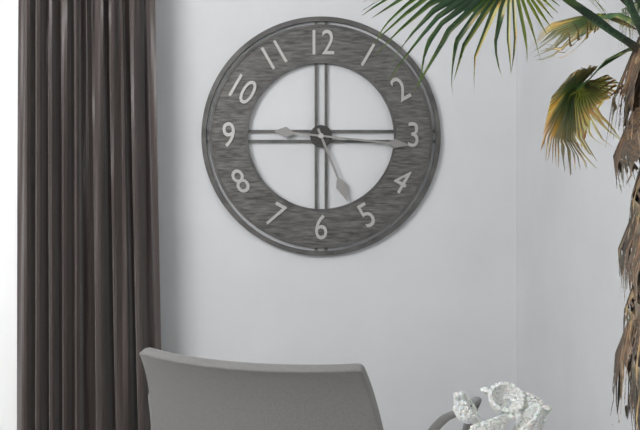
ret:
5.16
